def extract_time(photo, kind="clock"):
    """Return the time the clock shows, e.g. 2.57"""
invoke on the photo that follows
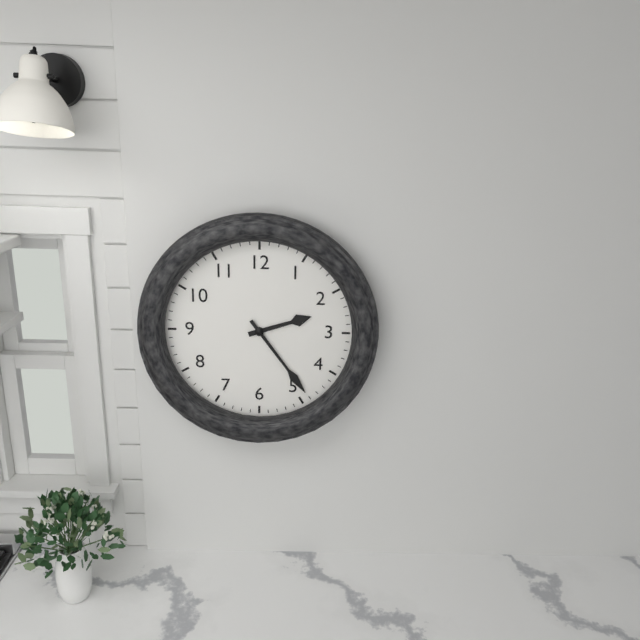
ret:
2.24
